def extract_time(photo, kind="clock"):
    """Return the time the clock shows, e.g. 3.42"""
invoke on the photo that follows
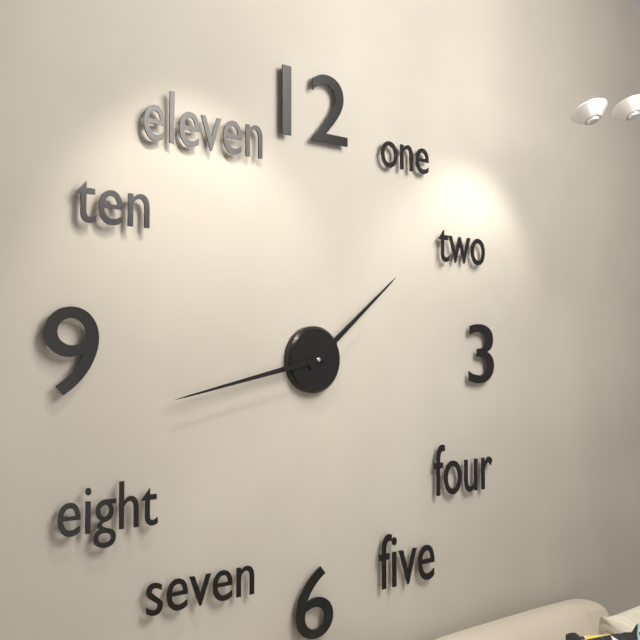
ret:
1.43
